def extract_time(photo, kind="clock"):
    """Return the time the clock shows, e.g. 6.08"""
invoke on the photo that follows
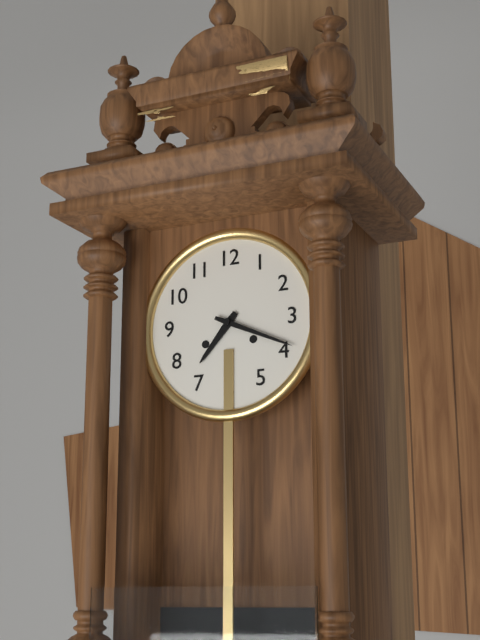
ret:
7.19
